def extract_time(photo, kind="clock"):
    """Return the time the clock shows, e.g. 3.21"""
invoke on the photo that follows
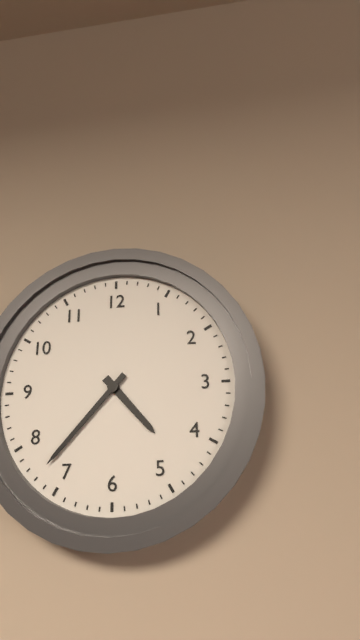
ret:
4.37
